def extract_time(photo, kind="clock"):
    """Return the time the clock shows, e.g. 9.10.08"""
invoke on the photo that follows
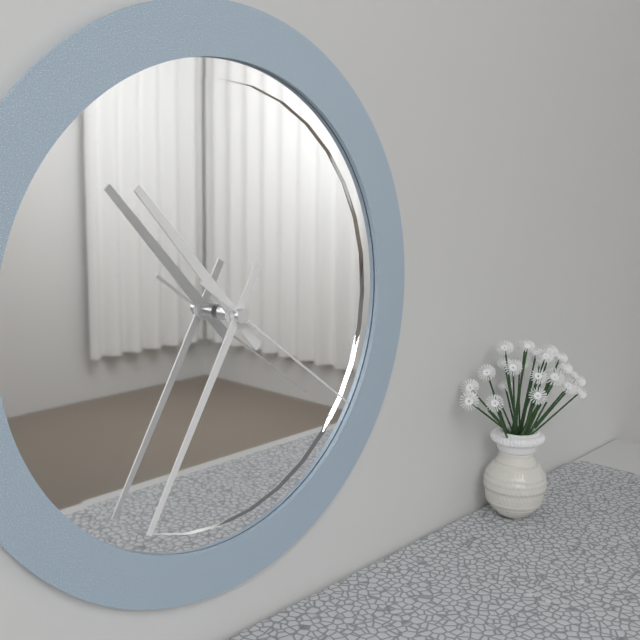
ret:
10.35.21
